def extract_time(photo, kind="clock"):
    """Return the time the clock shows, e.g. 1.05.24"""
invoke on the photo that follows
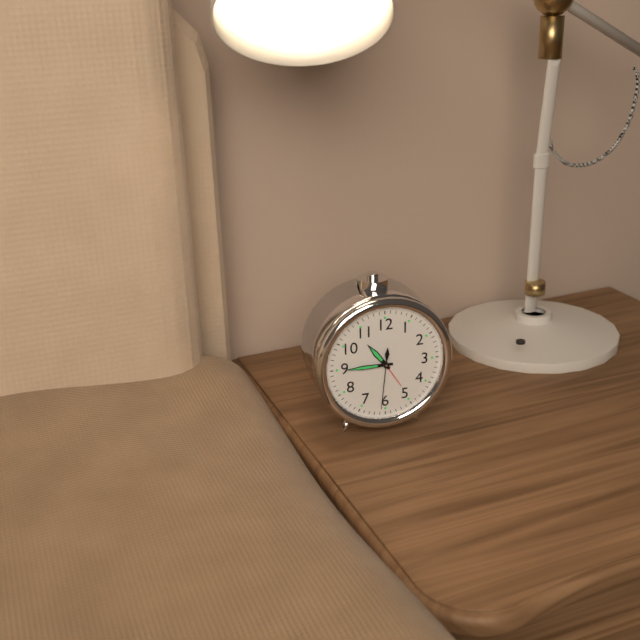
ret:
10.45.31
